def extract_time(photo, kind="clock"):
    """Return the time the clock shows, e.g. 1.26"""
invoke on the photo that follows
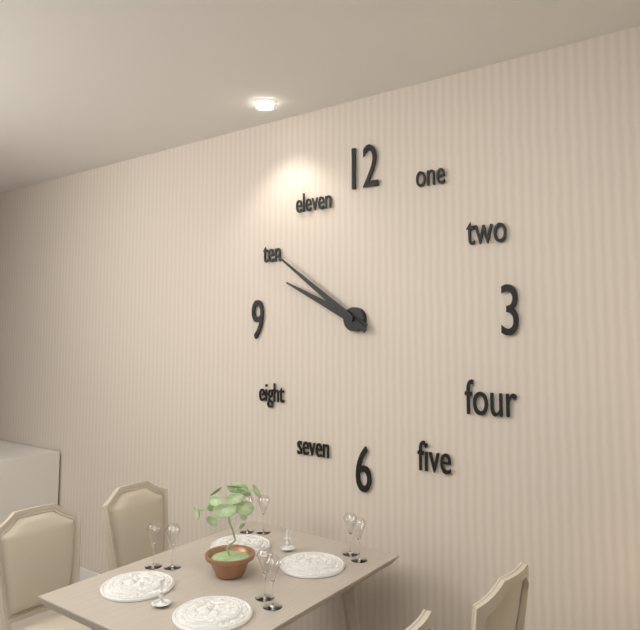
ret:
9.51
